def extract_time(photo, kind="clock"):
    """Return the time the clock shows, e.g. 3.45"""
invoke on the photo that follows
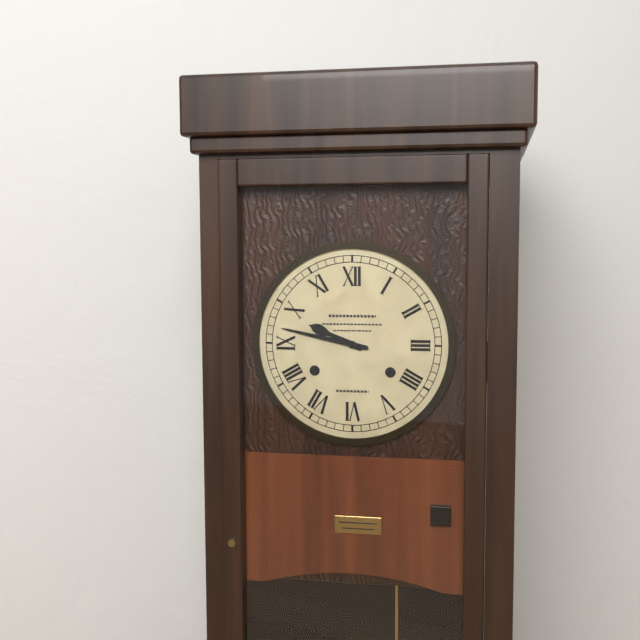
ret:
9.47
